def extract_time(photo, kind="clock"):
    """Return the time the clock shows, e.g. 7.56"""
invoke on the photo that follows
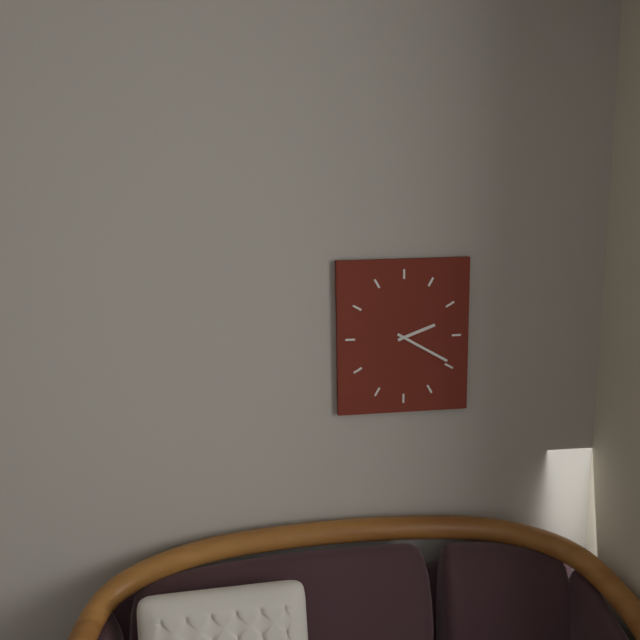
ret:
2.20
